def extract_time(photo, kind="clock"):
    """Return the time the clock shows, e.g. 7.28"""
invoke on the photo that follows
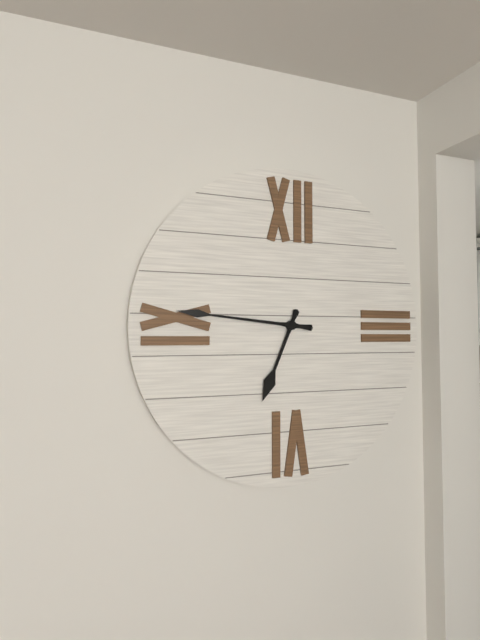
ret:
6.46
